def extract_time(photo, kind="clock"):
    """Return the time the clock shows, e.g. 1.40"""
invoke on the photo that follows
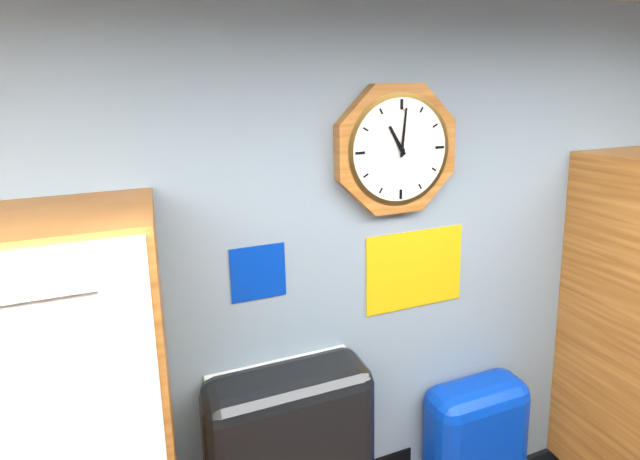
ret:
11.01
